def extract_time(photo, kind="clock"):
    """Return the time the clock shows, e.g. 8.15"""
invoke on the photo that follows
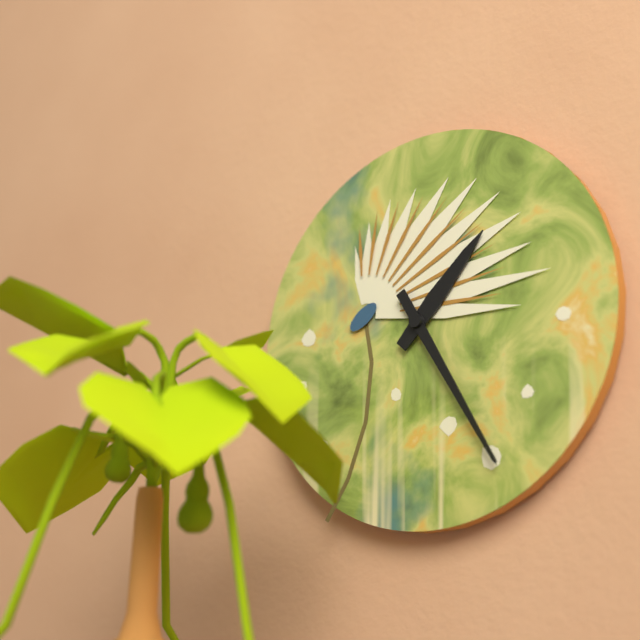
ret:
1.25
